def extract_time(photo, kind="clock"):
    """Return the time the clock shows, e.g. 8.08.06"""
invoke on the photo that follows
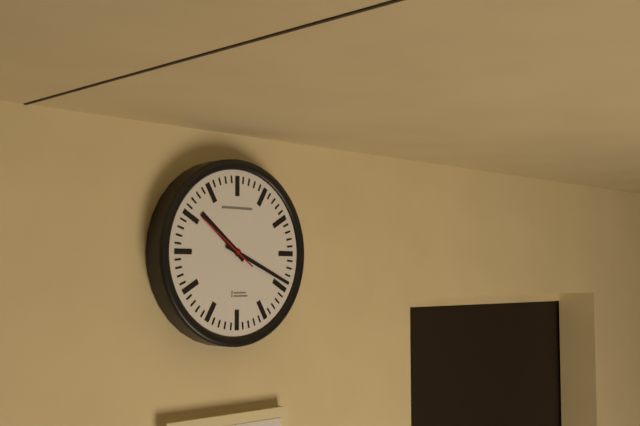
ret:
10.19.51
